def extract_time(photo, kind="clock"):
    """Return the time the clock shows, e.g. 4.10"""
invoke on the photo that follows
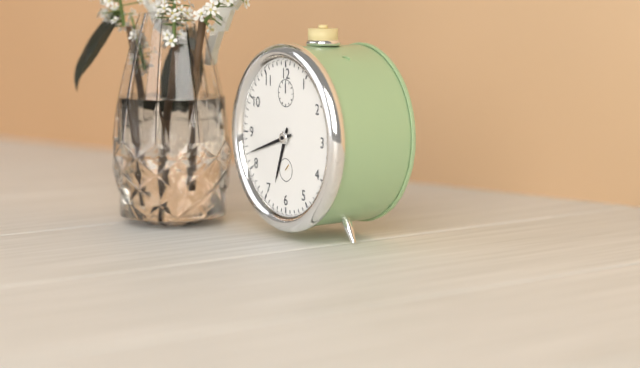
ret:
6.42
